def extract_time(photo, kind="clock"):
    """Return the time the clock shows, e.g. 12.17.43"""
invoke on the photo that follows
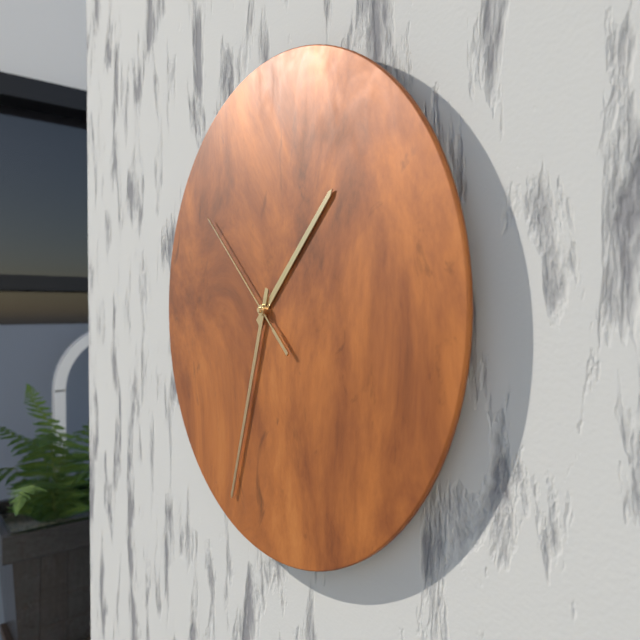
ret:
1.33.52
